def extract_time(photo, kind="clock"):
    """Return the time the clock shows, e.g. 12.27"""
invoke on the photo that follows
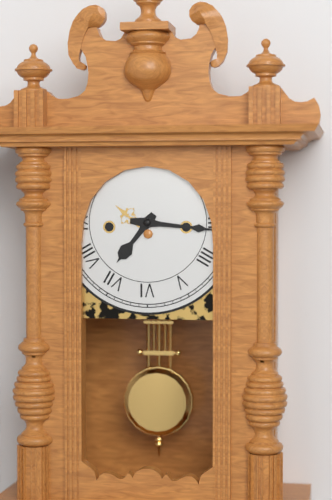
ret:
7.16
